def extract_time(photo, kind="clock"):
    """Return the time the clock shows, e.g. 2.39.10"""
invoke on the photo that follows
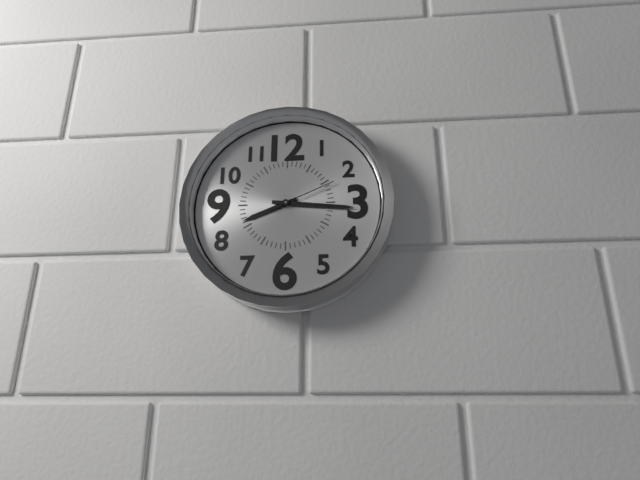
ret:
8.16.11
